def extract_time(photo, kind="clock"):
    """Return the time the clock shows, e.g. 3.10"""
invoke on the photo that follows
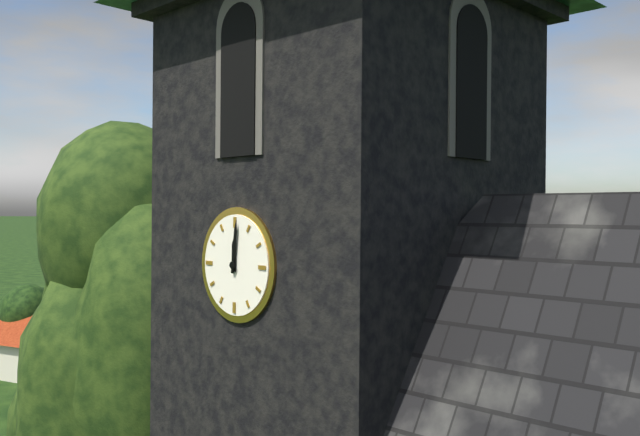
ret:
12.01
